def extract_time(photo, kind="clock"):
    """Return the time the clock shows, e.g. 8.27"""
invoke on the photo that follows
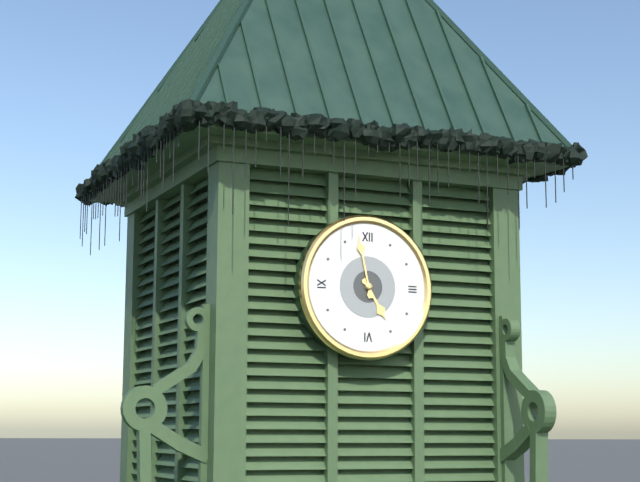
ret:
4.58
